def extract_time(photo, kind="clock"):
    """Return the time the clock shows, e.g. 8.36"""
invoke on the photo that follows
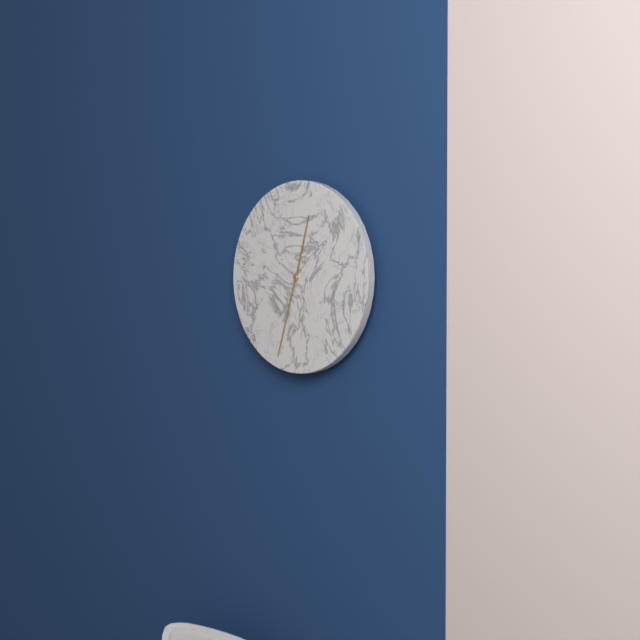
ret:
12.33
